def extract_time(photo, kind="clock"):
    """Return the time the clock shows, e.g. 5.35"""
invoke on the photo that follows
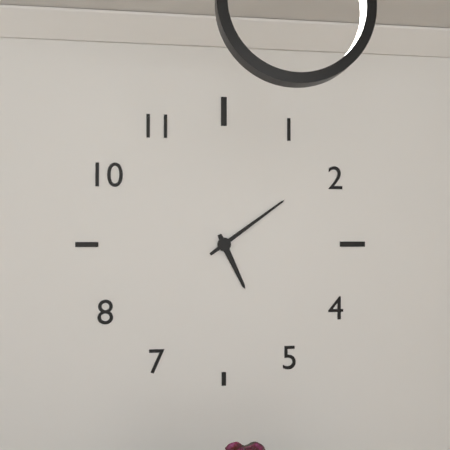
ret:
5.09
